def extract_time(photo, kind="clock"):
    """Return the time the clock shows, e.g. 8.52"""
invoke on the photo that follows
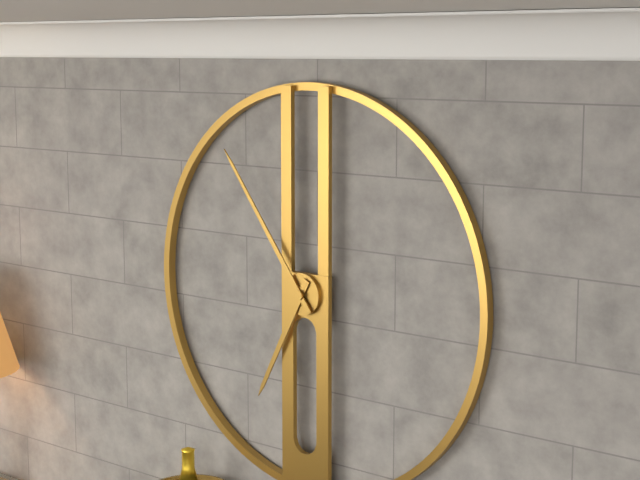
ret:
6.54
